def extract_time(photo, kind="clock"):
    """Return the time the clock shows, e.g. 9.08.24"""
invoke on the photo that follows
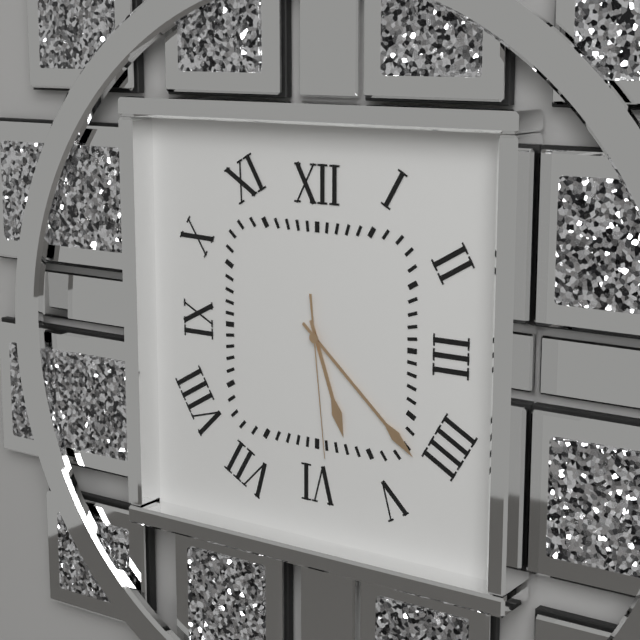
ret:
5.22.29
